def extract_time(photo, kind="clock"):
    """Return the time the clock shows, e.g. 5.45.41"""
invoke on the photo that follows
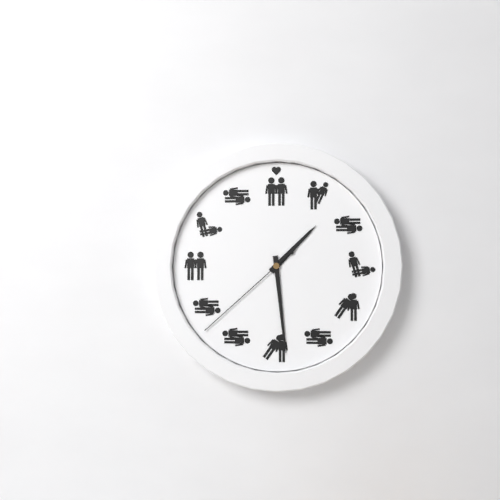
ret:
1.29.38
